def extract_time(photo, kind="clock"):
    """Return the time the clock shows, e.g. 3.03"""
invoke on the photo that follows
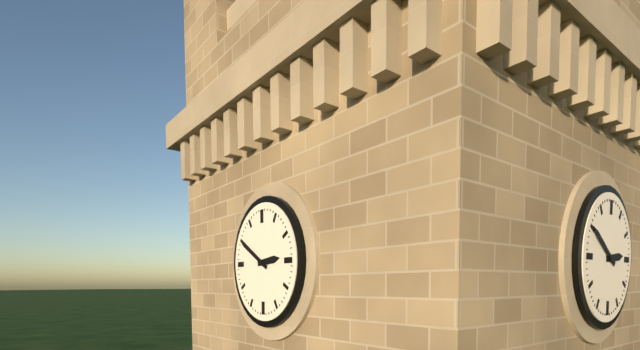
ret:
2.50
